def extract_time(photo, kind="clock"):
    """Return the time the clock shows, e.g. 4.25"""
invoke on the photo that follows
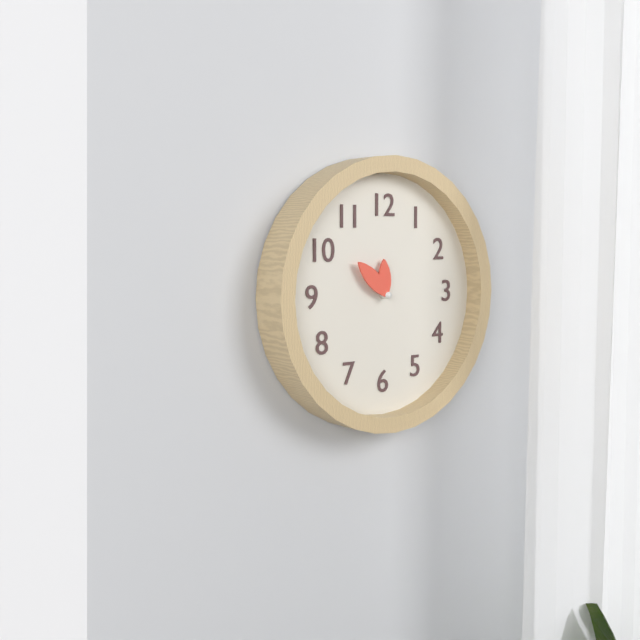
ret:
11.52
